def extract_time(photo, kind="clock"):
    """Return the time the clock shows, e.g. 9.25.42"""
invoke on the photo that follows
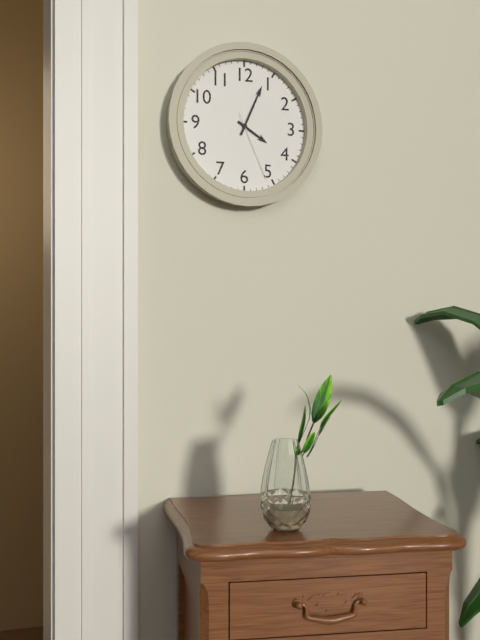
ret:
4.04.26
